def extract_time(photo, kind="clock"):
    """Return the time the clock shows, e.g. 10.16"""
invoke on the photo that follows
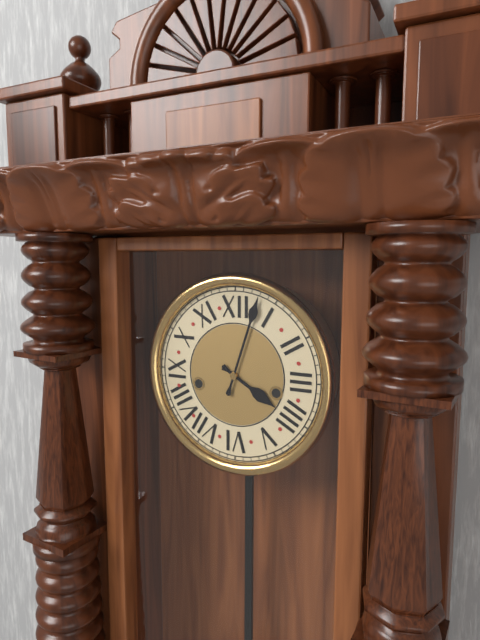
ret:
4.03
